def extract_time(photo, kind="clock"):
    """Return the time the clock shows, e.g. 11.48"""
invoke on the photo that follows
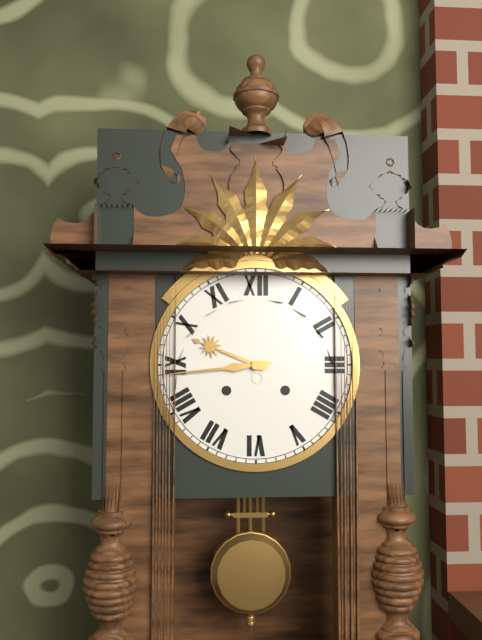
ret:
9.44
